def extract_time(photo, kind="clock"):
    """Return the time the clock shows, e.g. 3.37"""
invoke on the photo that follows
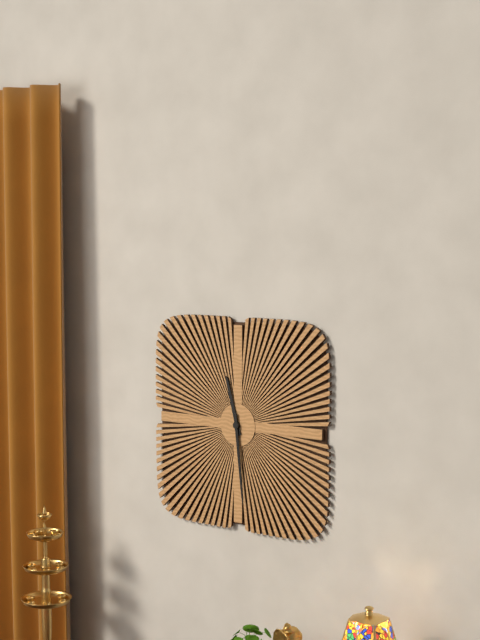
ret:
11.29
